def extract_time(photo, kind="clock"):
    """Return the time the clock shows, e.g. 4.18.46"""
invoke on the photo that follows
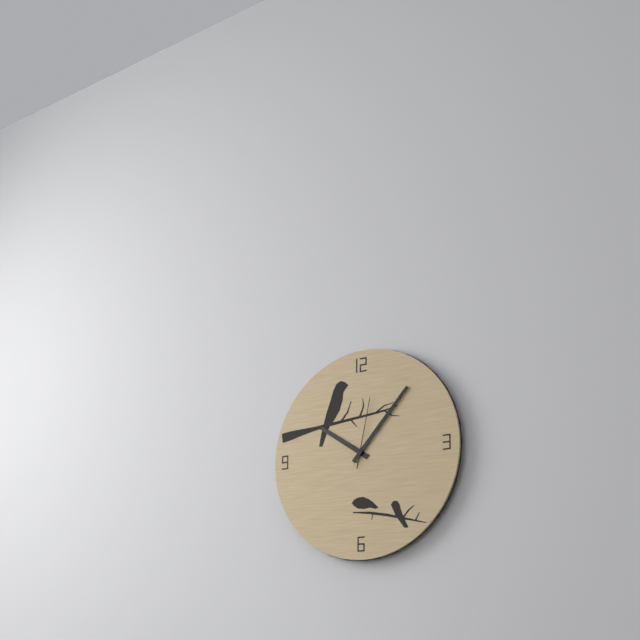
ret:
10.07.02
